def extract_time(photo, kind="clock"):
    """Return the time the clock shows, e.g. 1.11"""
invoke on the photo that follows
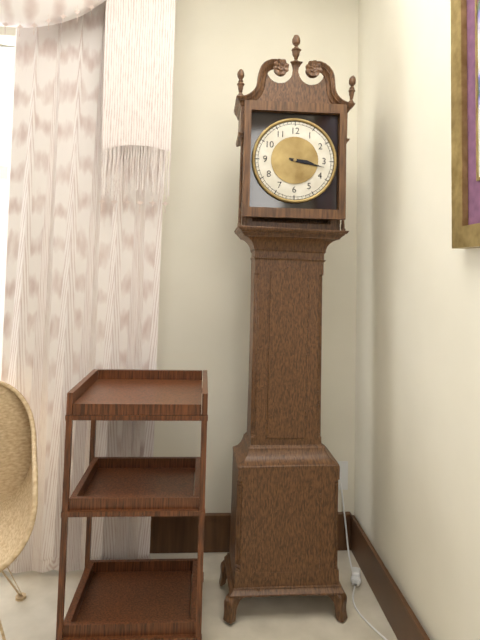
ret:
3.17
